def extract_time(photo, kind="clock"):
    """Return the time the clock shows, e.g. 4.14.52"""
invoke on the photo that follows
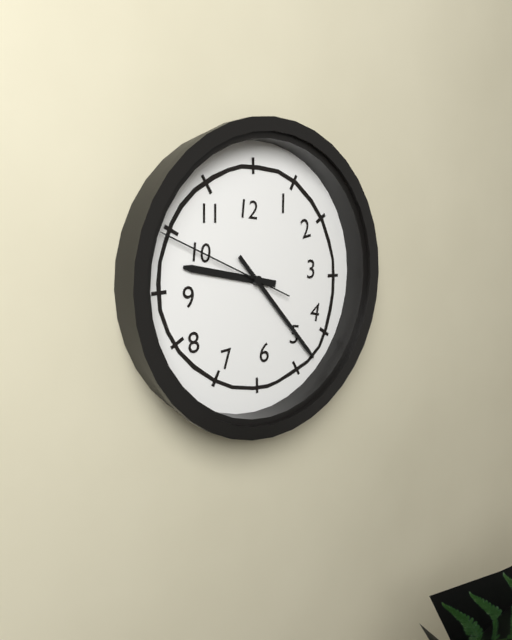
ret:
9.23.49
